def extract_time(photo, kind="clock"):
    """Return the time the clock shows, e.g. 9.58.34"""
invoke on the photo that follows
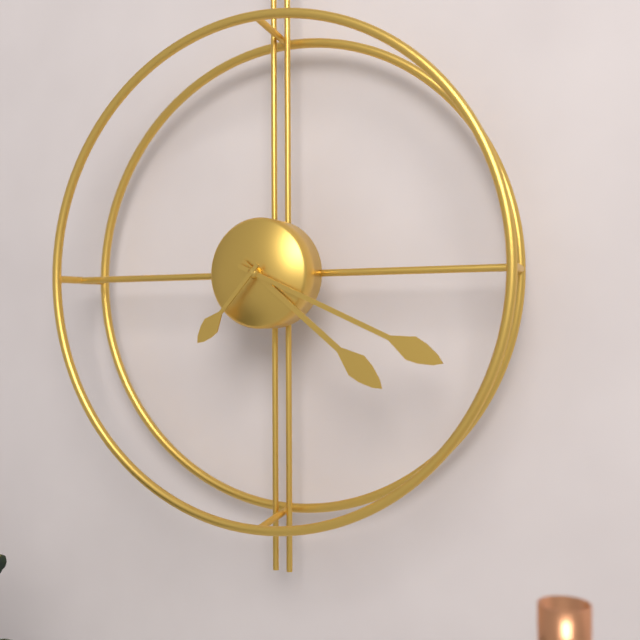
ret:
4.19.37
